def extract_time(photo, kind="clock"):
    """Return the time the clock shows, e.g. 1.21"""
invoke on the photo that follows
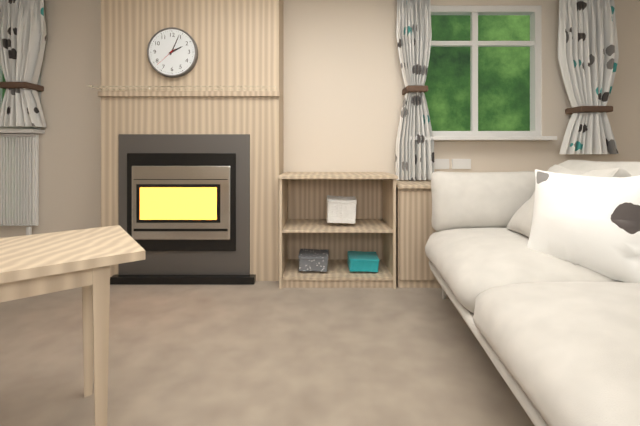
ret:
2.04
